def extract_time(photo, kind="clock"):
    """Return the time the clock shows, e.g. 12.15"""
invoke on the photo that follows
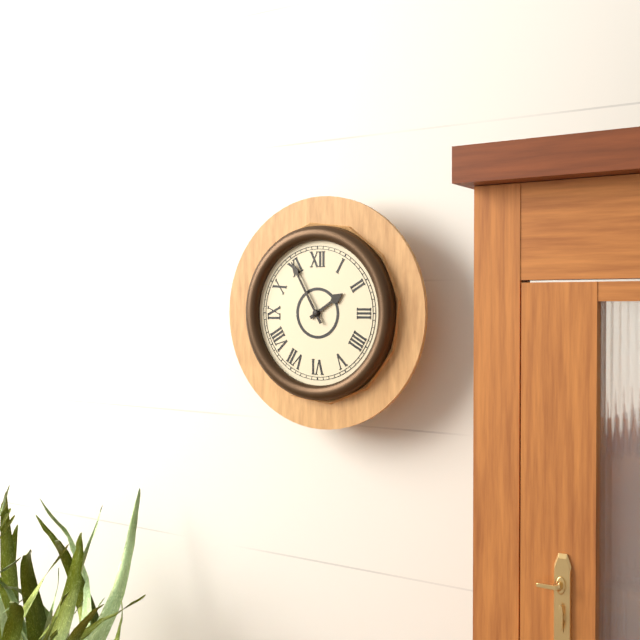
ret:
1.55
